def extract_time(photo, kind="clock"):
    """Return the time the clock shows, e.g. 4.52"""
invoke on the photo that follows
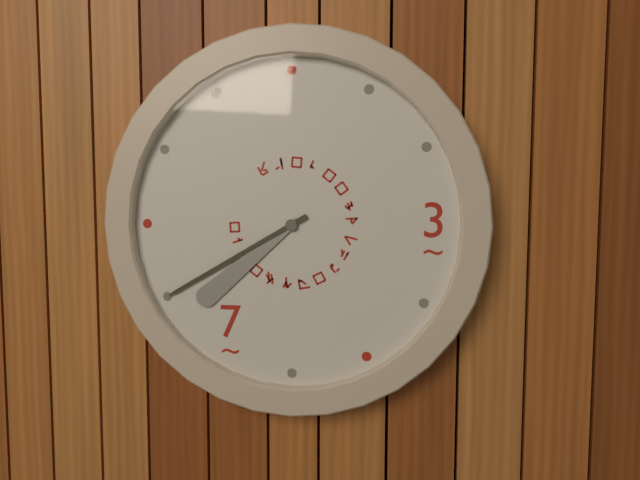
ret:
7.40
